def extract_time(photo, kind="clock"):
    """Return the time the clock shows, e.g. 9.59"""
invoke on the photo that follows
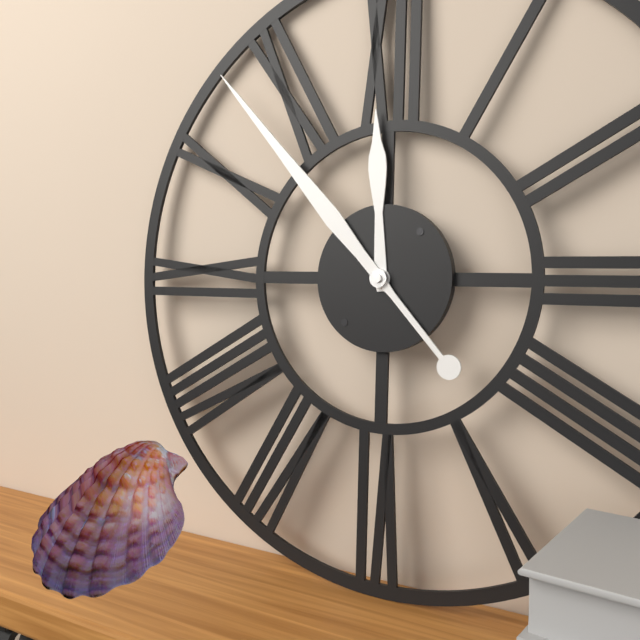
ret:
11.53
